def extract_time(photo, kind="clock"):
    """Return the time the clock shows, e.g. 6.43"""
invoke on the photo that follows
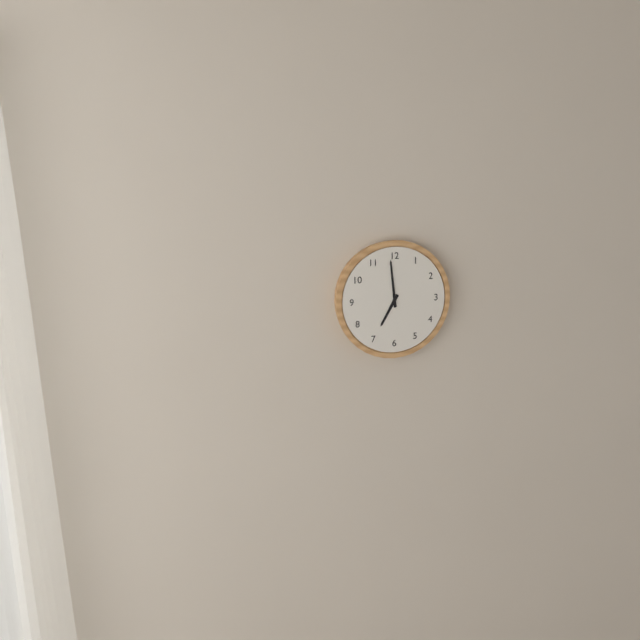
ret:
6.59
